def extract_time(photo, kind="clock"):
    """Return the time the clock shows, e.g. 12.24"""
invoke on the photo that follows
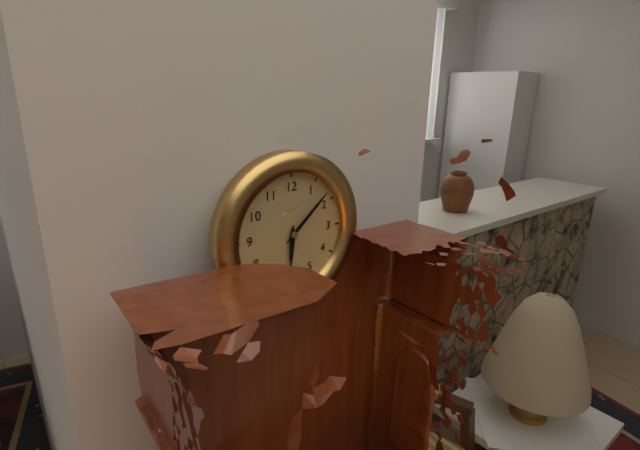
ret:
6.08
